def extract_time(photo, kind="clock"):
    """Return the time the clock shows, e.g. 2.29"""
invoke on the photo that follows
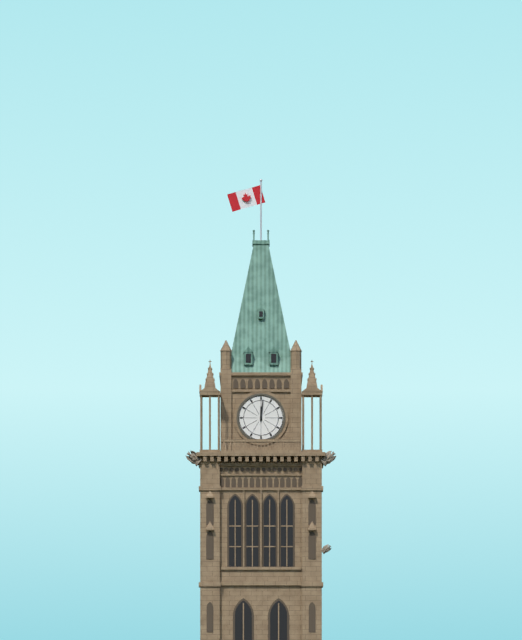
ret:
12.01
